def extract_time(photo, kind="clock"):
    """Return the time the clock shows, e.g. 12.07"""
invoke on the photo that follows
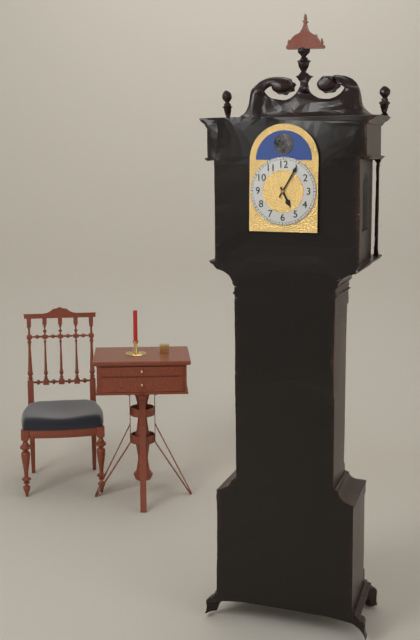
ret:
5.05
